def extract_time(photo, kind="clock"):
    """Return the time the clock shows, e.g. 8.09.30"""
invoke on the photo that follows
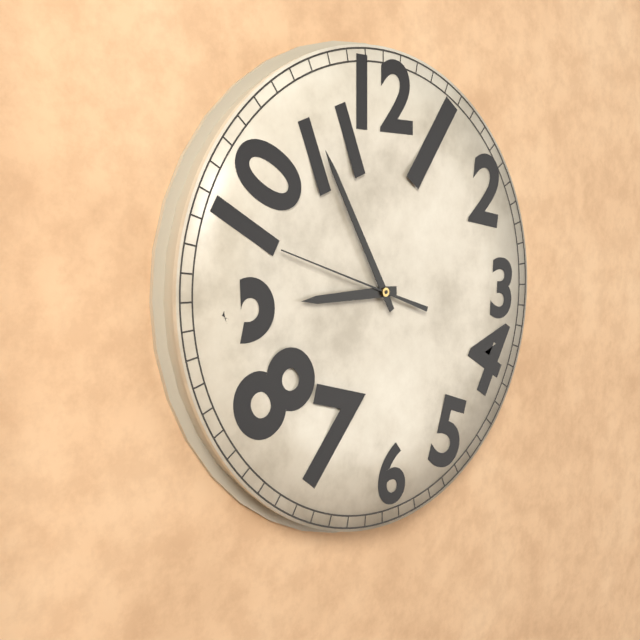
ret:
8.55.48
